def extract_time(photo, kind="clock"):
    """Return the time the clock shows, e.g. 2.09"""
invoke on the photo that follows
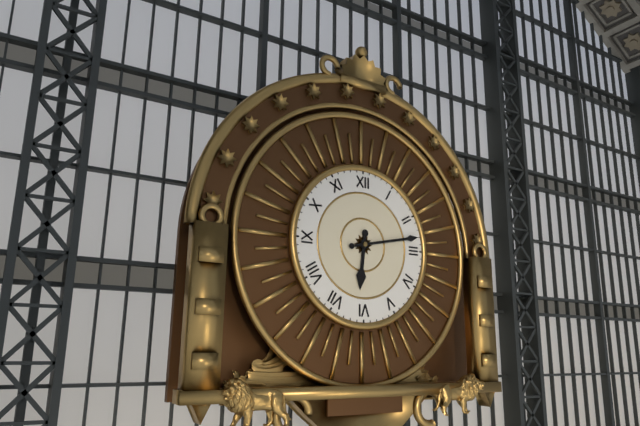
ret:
6.13
